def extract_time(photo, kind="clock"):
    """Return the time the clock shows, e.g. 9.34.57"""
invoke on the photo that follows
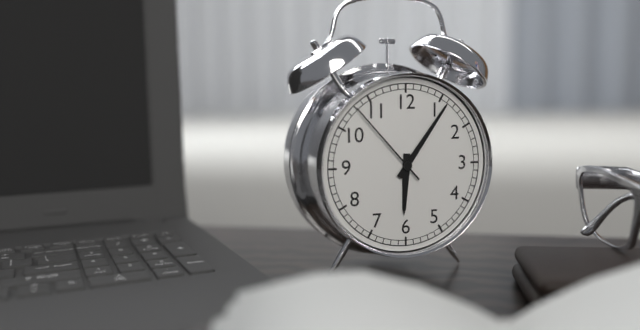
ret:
6.06.53
